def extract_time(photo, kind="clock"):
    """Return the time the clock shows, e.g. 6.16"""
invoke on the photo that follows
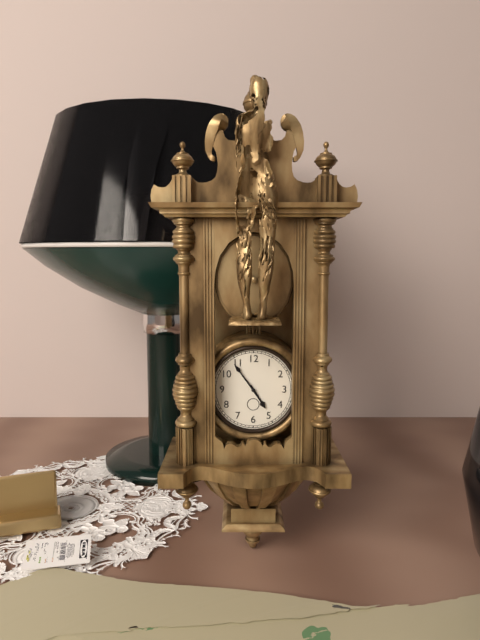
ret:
4.54
